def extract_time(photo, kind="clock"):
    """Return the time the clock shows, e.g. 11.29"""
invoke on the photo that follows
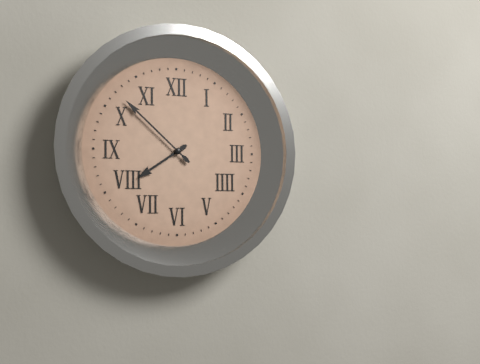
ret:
7.52
